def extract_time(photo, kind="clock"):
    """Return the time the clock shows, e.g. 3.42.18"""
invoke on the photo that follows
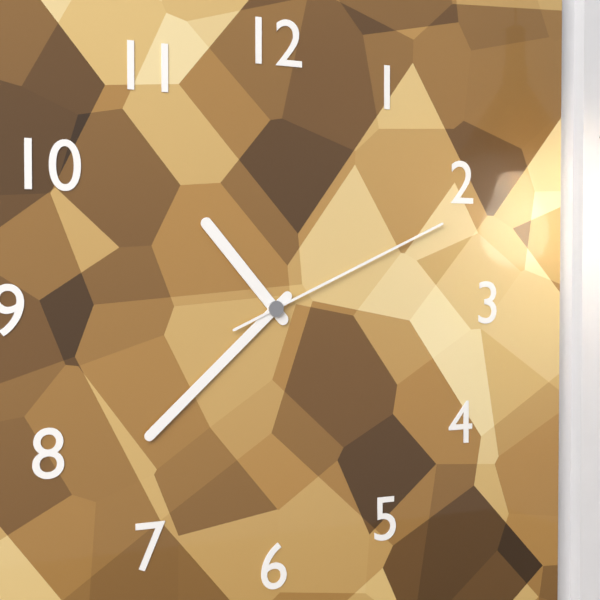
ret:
10.38.11
